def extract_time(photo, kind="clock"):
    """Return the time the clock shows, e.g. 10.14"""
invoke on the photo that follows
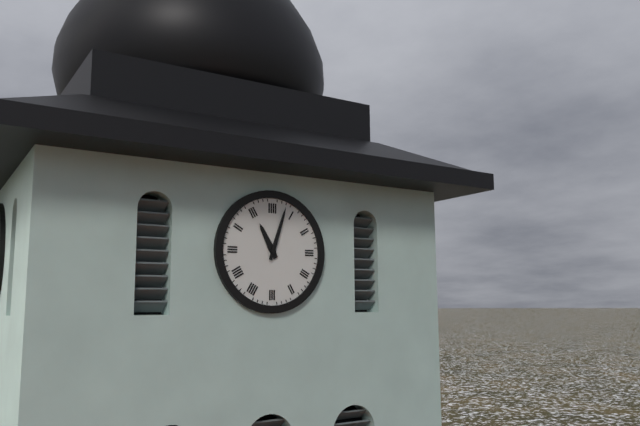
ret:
11.03
